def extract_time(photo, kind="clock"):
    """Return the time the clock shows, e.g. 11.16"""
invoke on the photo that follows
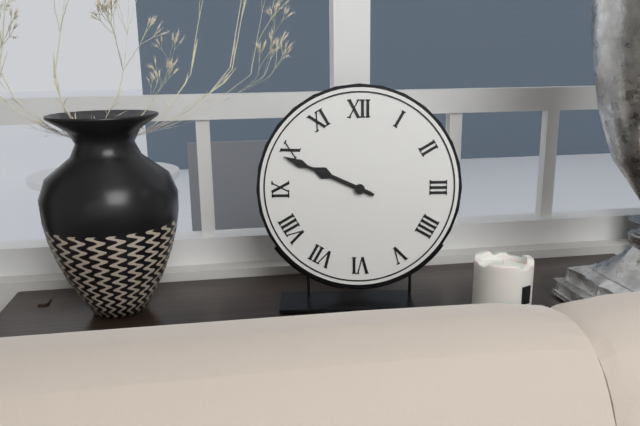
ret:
9.49
